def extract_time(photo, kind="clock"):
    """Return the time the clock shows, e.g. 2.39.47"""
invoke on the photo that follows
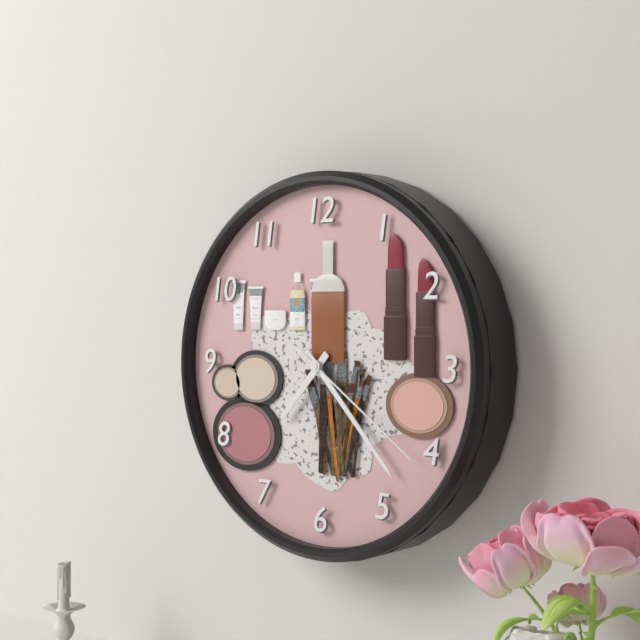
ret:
7.23.21
